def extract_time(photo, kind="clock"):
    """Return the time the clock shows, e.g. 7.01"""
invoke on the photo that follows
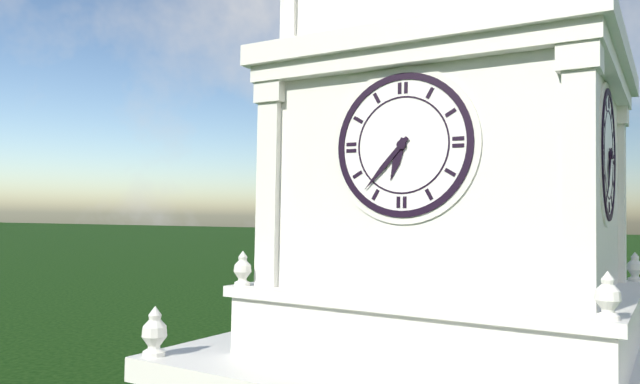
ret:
6.37
